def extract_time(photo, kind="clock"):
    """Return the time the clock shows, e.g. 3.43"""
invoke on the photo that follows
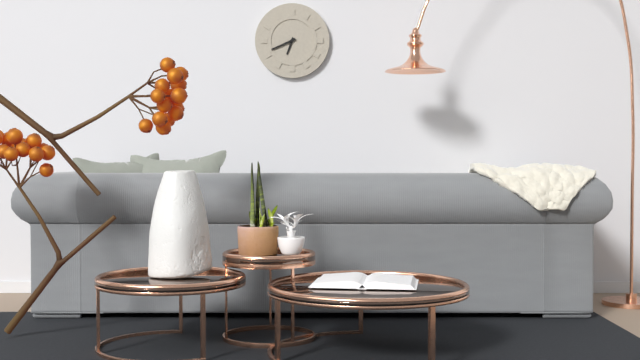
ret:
6.41
